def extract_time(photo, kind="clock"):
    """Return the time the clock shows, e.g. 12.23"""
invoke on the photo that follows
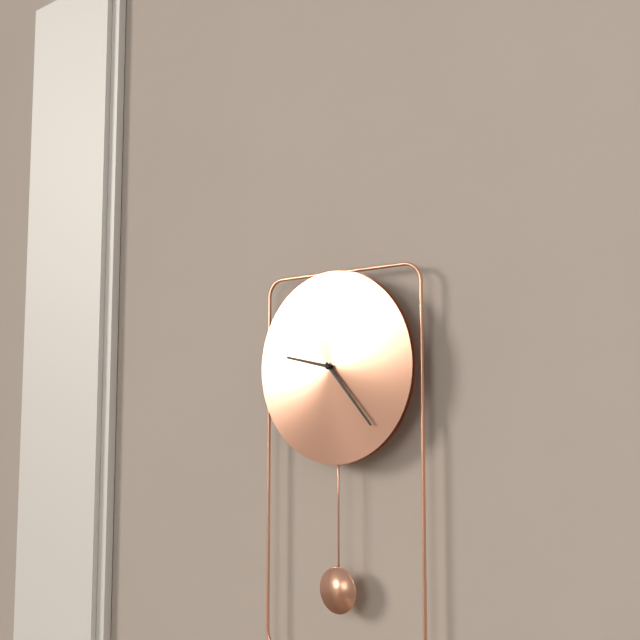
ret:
9.23
